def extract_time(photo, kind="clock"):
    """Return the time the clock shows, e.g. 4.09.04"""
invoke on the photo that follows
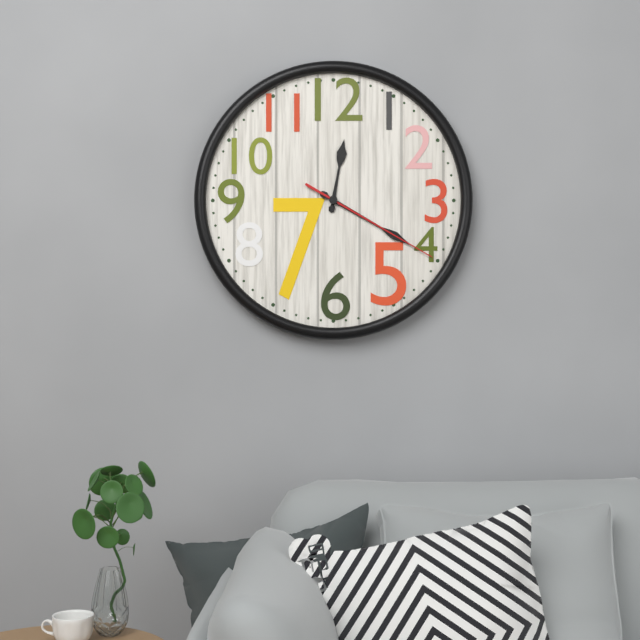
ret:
12.20.20
